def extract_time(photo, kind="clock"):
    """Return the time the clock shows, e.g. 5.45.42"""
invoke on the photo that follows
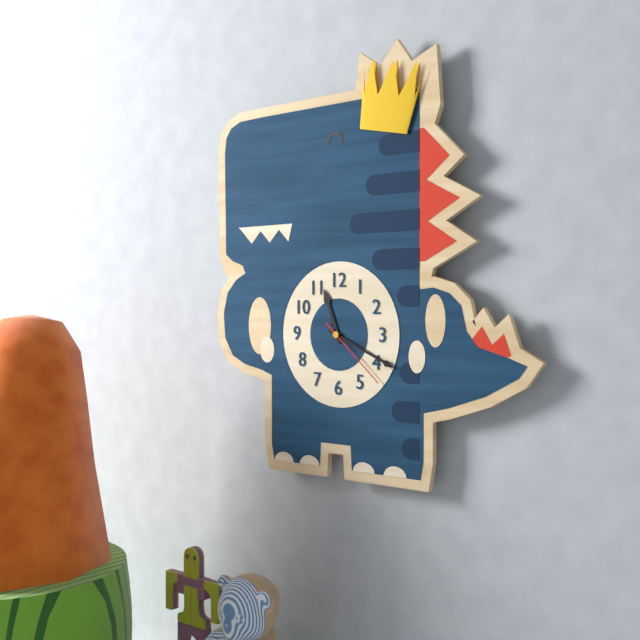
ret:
11.19.22
